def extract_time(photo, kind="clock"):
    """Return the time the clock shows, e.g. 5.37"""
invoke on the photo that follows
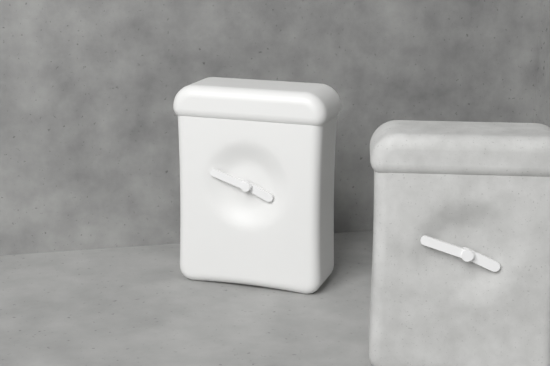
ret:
3.48
